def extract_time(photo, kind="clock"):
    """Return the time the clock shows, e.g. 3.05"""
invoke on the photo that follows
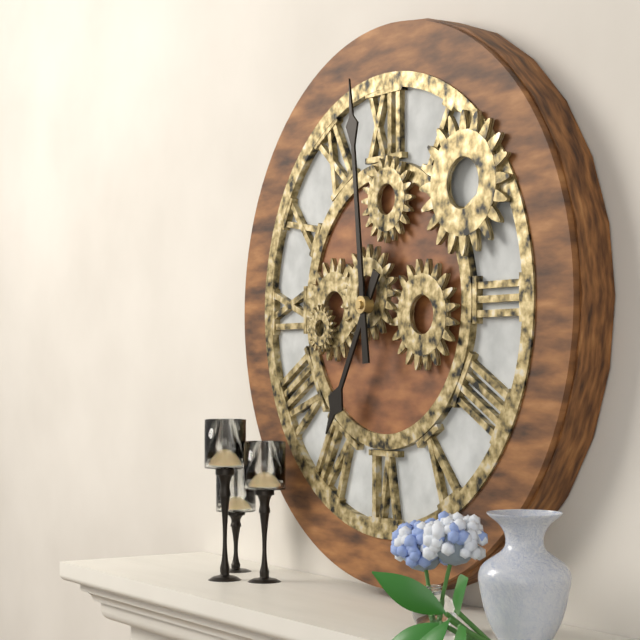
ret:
6.59
